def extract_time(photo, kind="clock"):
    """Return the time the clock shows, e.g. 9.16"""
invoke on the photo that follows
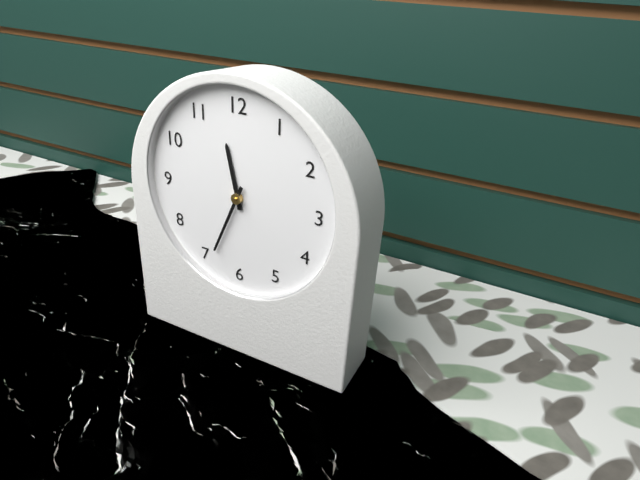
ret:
11.34
